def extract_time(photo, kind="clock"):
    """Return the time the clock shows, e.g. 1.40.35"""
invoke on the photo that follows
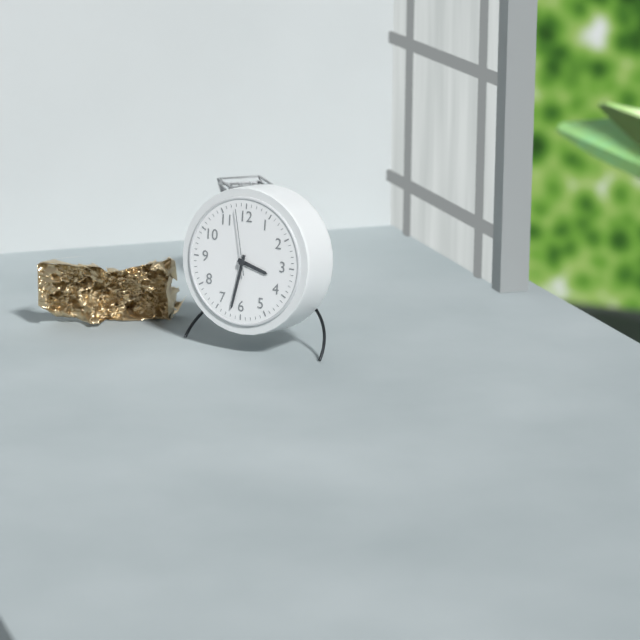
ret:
3.32.58
